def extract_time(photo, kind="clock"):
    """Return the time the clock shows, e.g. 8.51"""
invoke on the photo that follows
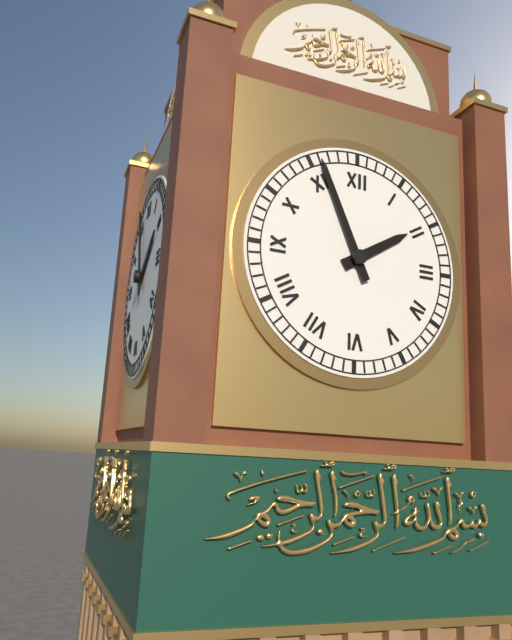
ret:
1.56
